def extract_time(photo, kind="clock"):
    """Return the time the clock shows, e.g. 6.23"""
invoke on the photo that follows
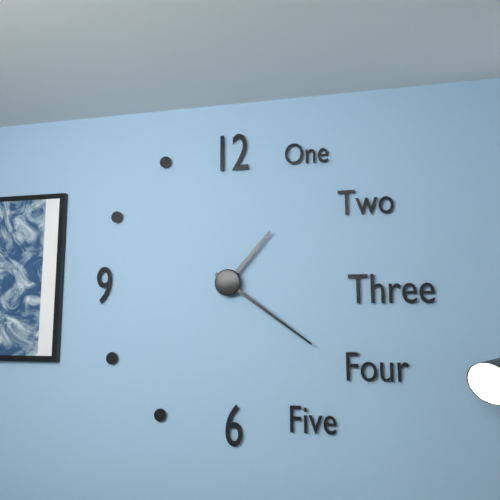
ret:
1.21
